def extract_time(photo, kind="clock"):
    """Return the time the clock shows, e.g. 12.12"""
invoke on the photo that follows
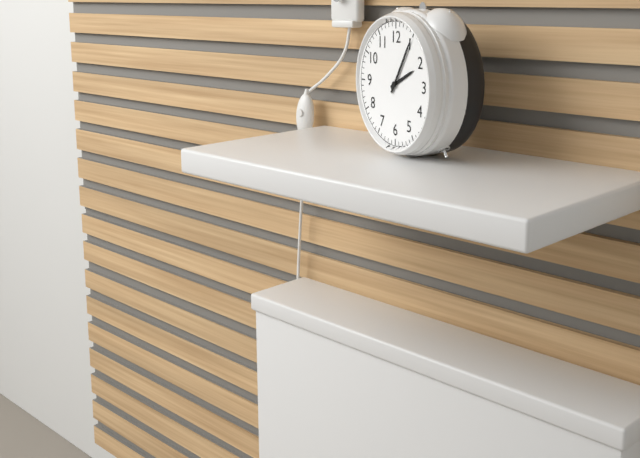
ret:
2.05
